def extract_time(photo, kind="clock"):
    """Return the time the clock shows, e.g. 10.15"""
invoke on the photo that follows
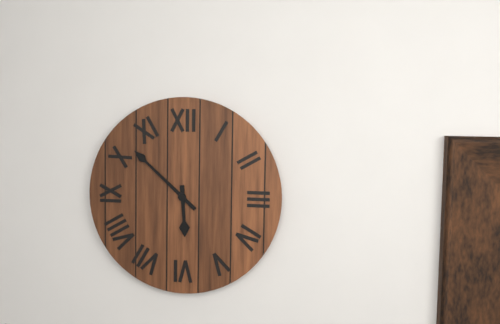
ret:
5.52
